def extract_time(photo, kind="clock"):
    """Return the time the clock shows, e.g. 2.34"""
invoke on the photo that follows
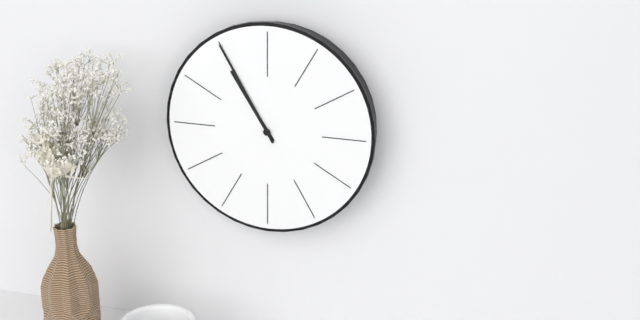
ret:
10.55
